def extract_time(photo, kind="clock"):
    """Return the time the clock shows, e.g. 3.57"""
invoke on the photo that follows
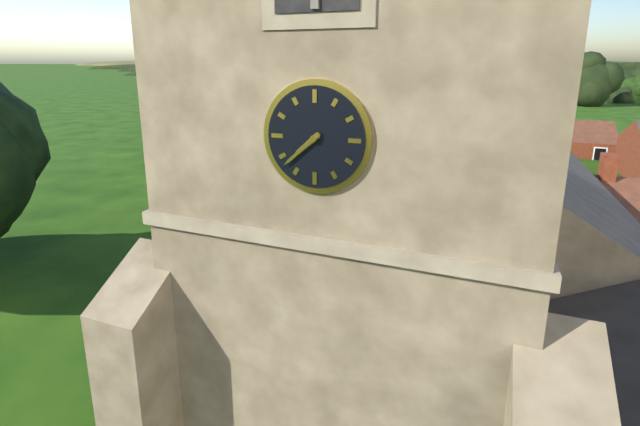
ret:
7.38
